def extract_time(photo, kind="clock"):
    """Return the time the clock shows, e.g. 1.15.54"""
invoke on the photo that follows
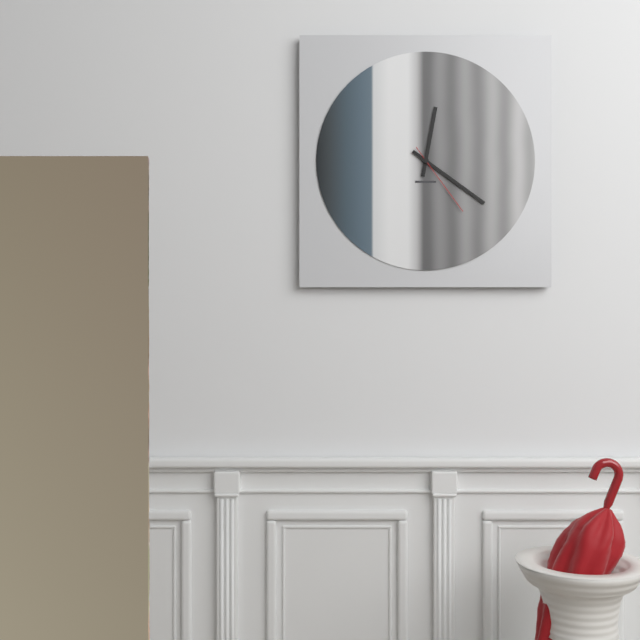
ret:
12.21.24
